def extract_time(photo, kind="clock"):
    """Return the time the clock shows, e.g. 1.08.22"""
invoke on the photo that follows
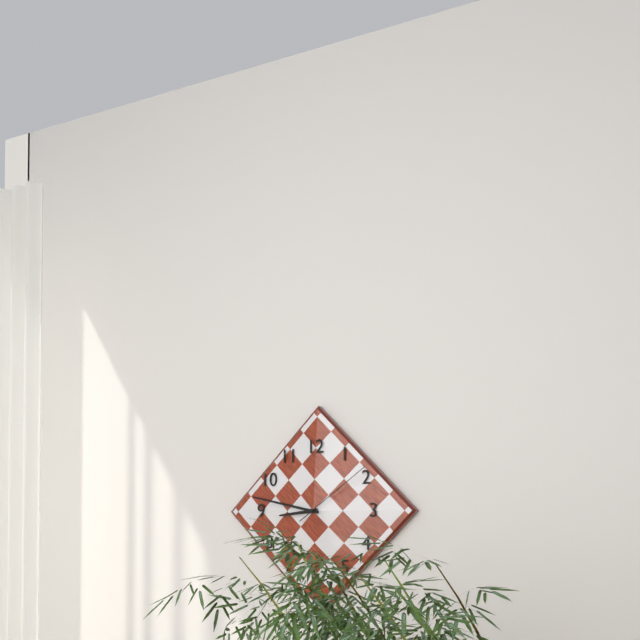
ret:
8.47.09
